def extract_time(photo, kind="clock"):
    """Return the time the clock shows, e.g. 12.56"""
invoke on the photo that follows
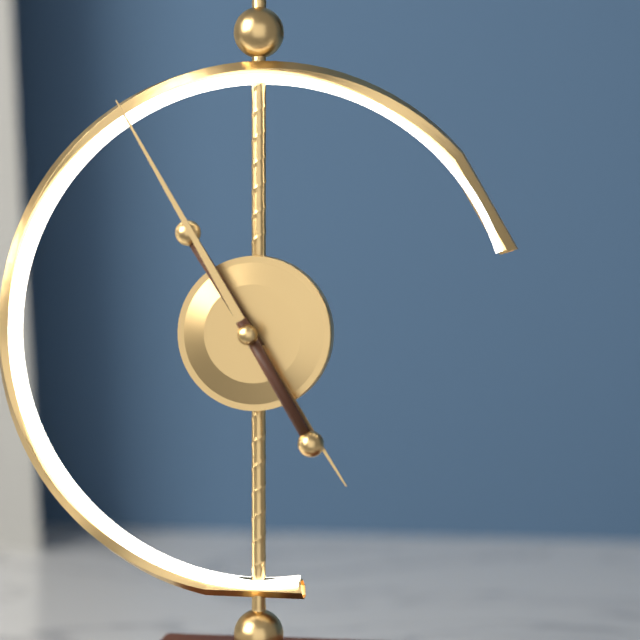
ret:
4.55
